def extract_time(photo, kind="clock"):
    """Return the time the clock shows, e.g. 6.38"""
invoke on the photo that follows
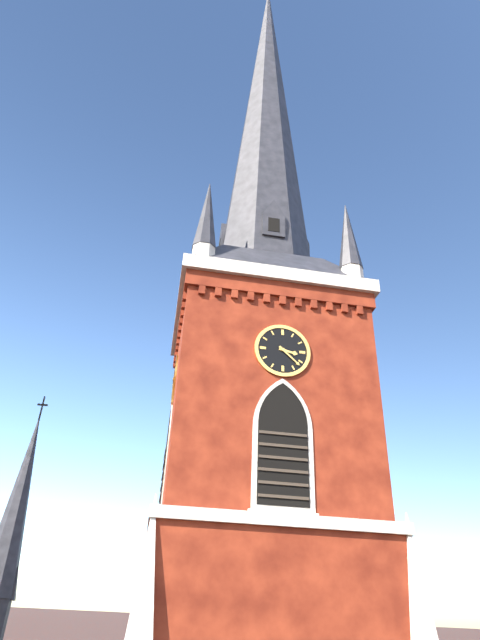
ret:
3.22
